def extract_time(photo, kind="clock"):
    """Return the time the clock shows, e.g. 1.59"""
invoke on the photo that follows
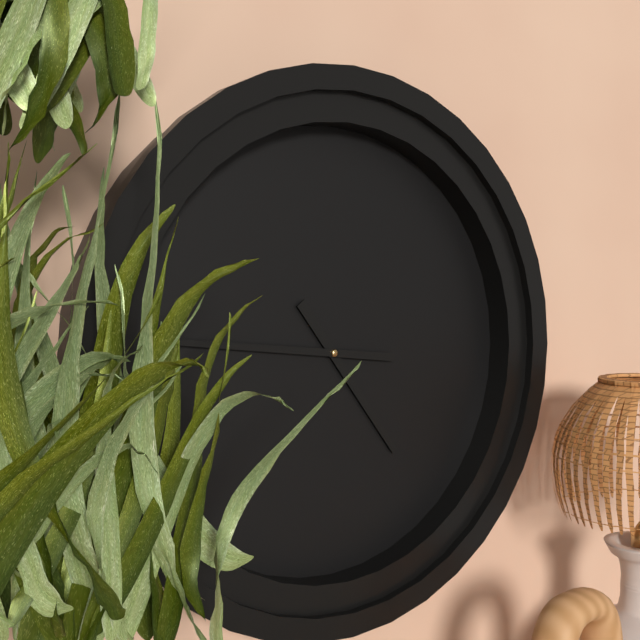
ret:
4.46
